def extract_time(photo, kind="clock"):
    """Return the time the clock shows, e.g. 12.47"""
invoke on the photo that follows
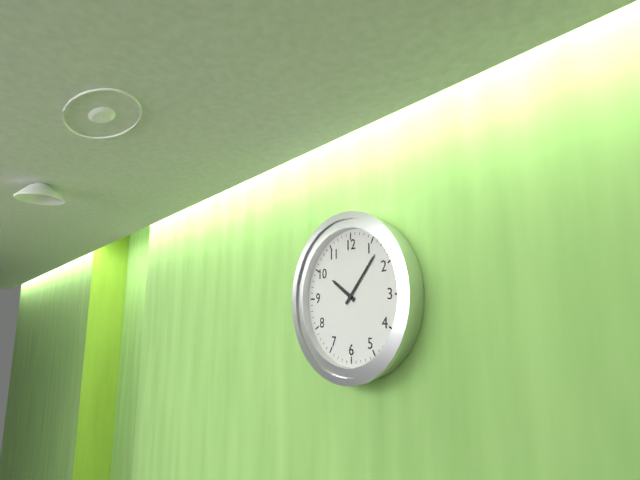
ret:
10.07
